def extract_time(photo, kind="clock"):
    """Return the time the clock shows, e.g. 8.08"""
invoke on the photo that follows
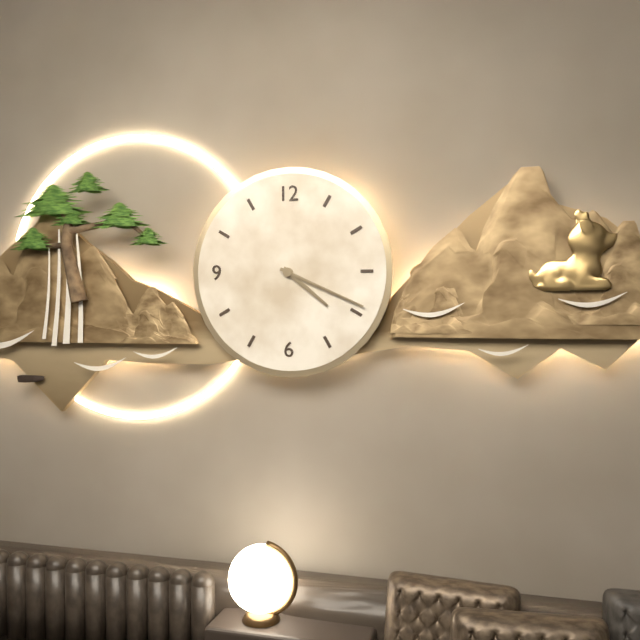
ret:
4.19
